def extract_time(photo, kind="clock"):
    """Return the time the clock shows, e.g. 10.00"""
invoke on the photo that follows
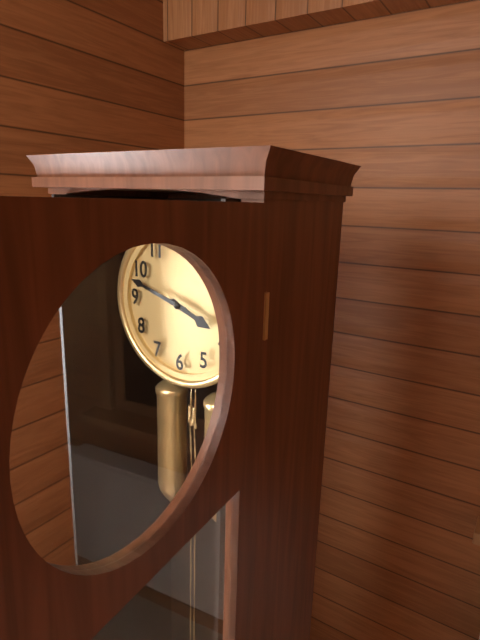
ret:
3.48
